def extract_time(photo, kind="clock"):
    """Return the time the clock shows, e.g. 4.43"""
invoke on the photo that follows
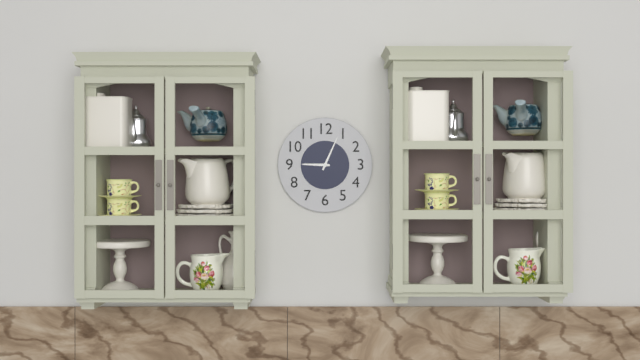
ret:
9.04
